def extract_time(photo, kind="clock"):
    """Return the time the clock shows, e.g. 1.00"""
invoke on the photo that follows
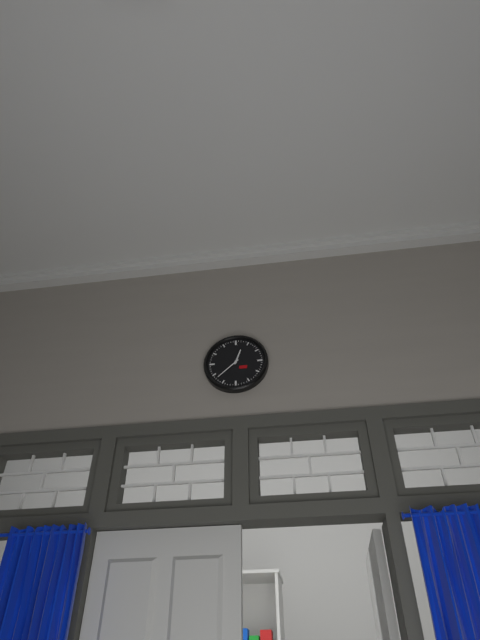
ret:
12.38
